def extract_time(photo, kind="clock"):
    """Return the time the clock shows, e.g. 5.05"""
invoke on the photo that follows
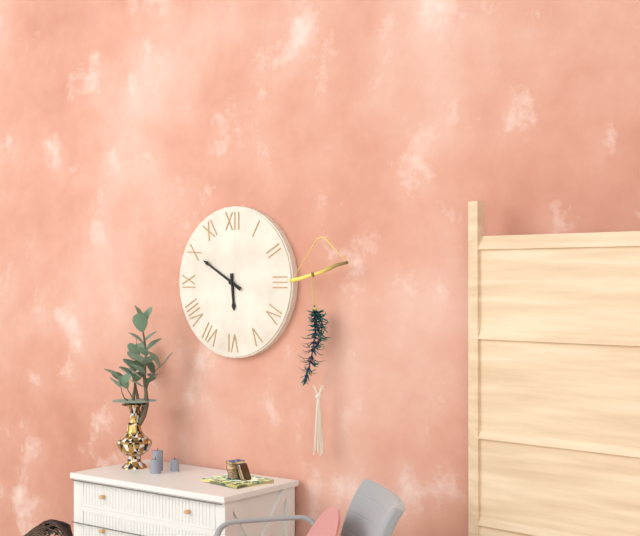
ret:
5.50
